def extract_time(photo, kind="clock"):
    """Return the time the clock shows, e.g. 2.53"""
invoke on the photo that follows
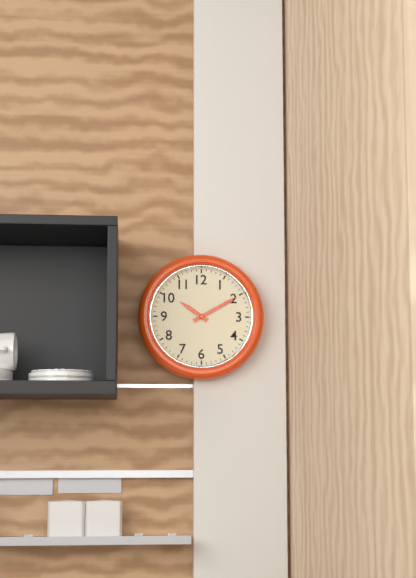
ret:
10.10
